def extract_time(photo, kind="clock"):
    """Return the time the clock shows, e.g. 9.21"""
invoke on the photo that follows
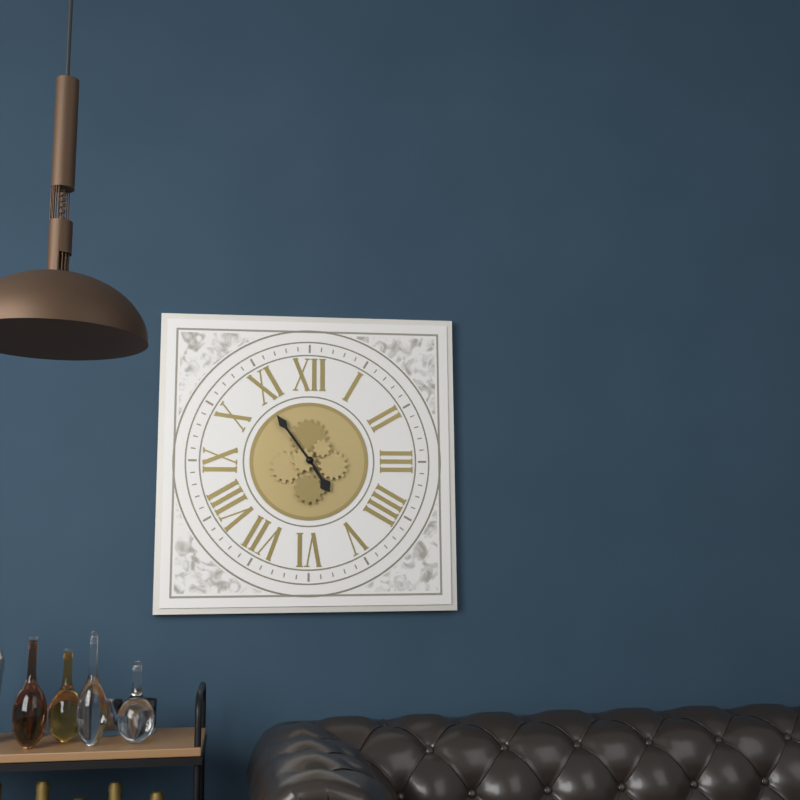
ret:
4.54
